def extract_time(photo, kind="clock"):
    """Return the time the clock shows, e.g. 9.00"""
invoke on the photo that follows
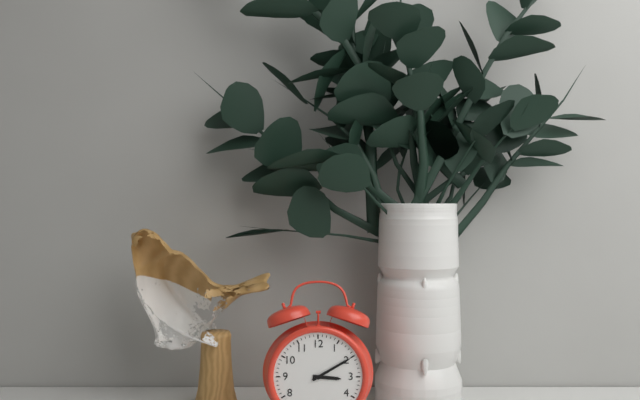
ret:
3.10
